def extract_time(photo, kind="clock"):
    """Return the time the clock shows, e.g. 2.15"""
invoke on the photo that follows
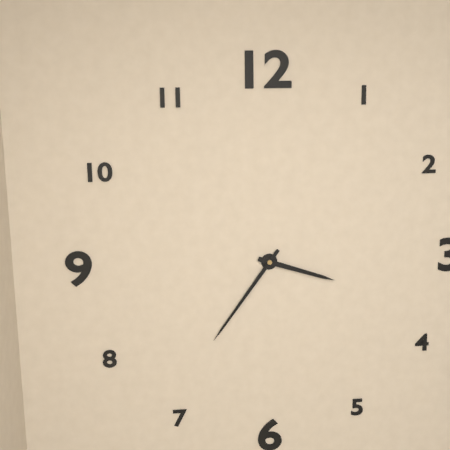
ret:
3.36
